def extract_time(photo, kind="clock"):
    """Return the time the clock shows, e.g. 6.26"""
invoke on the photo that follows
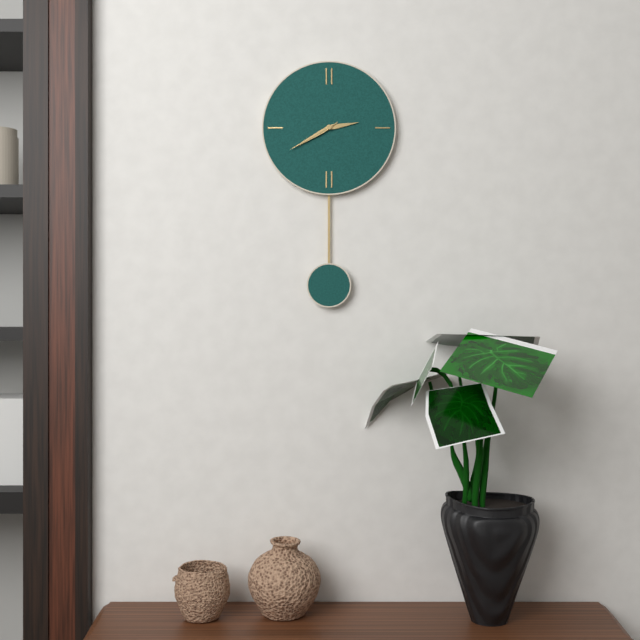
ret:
2.40
